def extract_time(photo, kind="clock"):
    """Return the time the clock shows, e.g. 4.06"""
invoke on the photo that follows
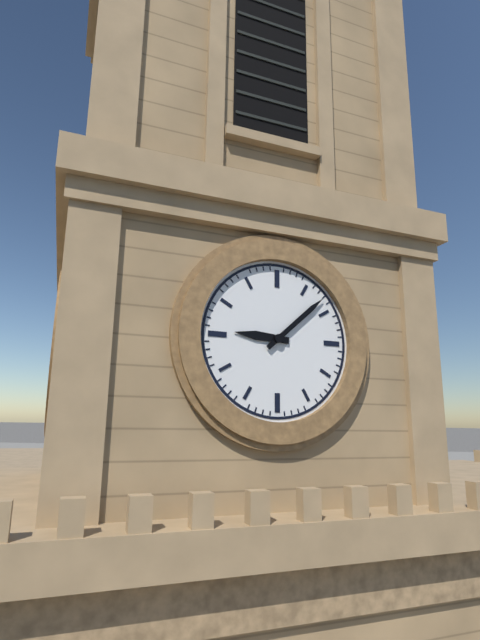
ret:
9.08
